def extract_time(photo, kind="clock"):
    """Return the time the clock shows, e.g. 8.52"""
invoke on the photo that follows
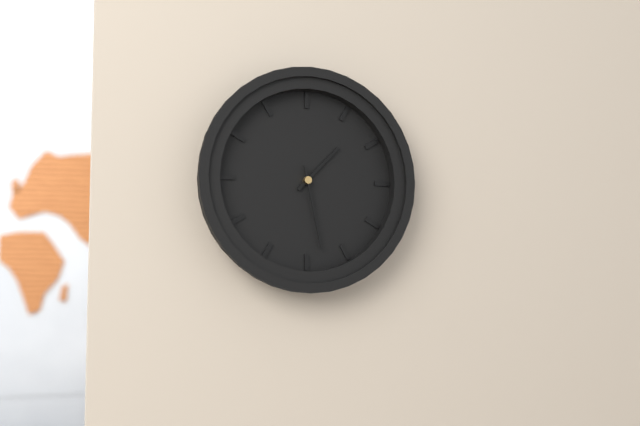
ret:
1.28
